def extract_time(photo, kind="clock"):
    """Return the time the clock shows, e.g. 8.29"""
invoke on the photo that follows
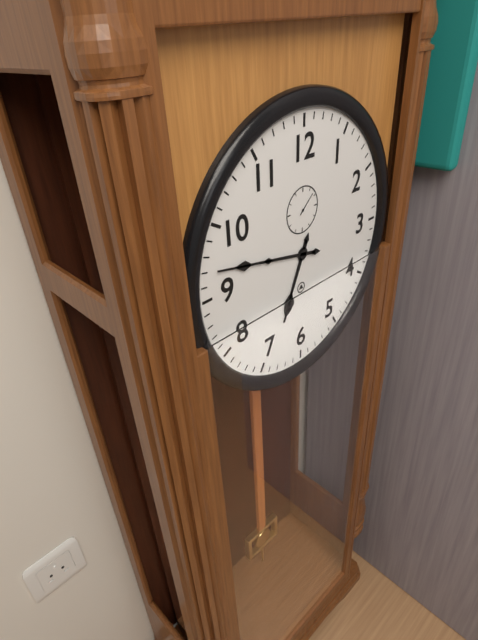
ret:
6.47
